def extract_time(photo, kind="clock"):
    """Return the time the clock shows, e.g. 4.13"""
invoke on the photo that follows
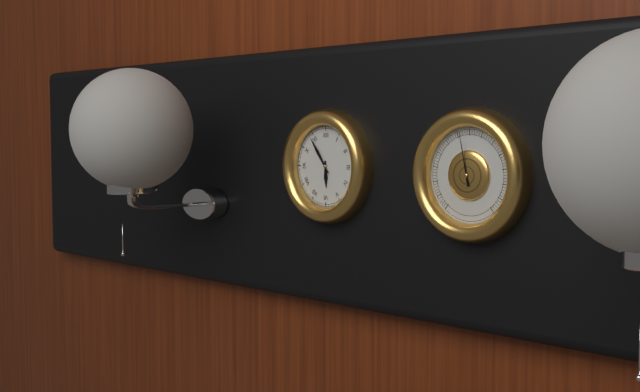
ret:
5.54
